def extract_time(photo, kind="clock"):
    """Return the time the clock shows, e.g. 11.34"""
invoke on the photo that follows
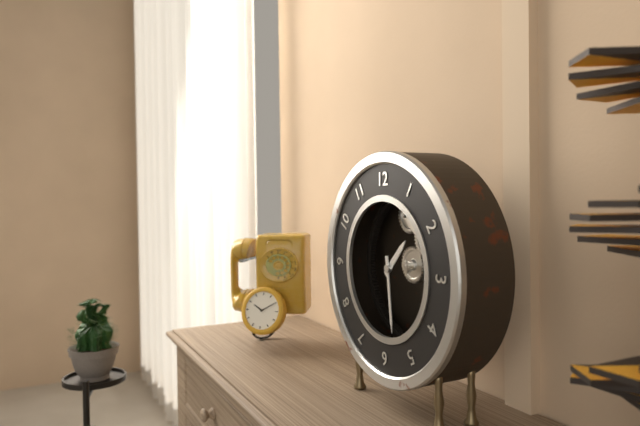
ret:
1.29
